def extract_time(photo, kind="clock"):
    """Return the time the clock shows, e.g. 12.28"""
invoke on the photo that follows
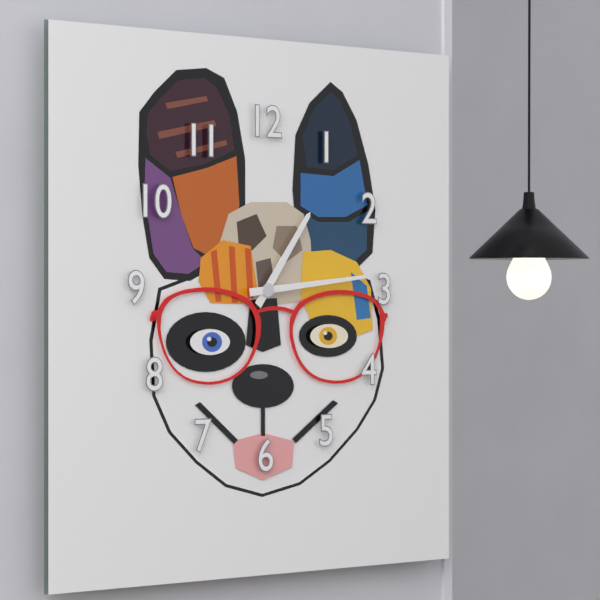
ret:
1.14
